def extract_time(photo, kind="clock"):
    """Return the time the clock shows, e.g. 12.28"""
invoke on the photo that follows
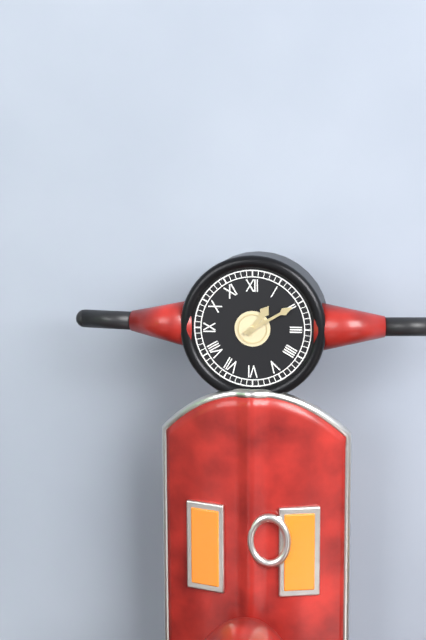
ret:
1.10
